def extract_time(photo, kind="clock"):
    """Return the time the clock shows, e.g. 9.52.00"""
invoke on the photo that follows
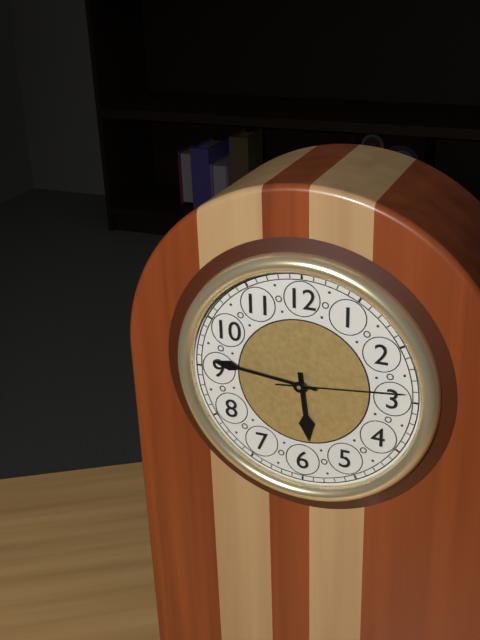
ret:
5.46.14
